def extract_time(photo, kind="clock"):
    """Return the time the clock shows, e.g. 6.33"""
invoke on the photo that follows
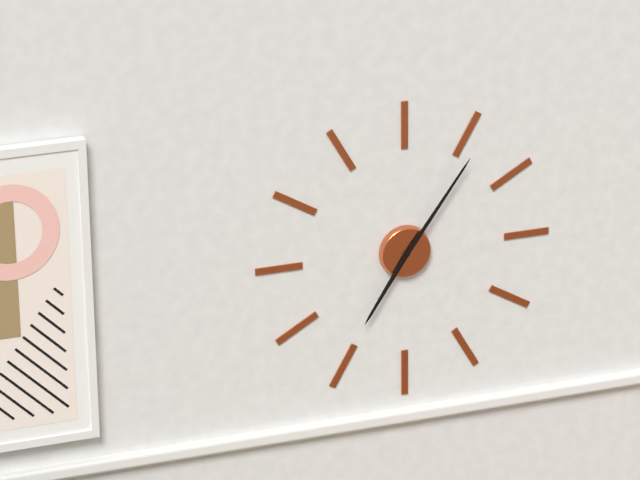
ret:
7.06
